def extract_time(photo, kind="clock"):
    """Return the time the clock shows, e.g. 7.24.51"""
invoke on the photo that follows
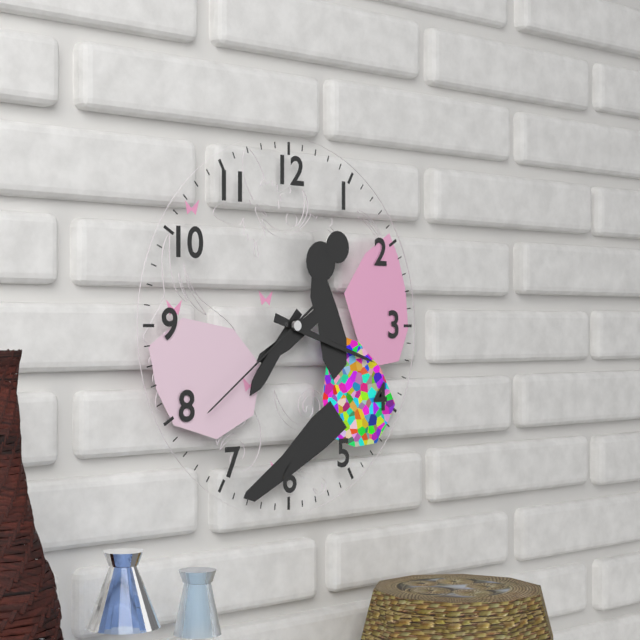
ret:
7.18.39
